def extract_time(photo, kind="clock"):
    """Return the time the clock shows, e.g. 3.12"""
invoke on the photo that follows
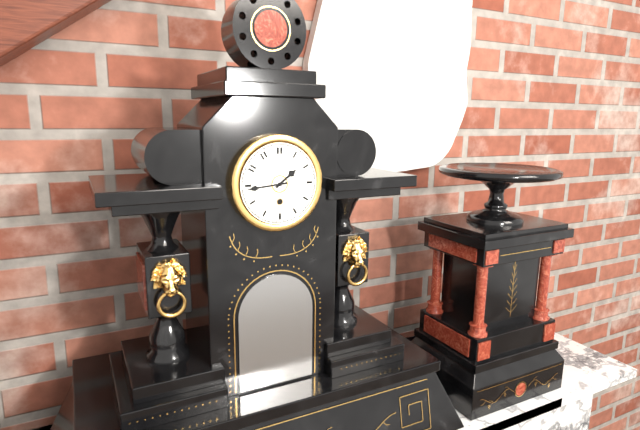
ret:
1.44
